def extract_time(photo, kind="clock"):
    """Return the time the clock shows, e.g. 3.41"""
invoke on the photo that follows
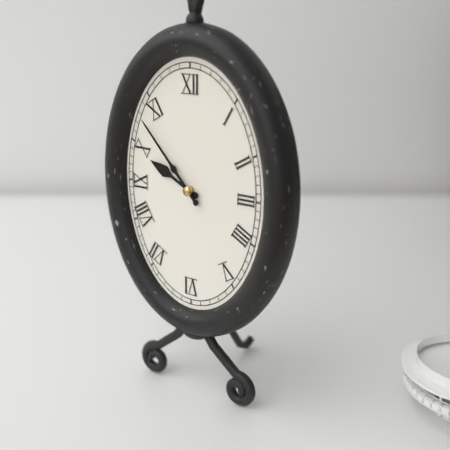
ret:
9.53
